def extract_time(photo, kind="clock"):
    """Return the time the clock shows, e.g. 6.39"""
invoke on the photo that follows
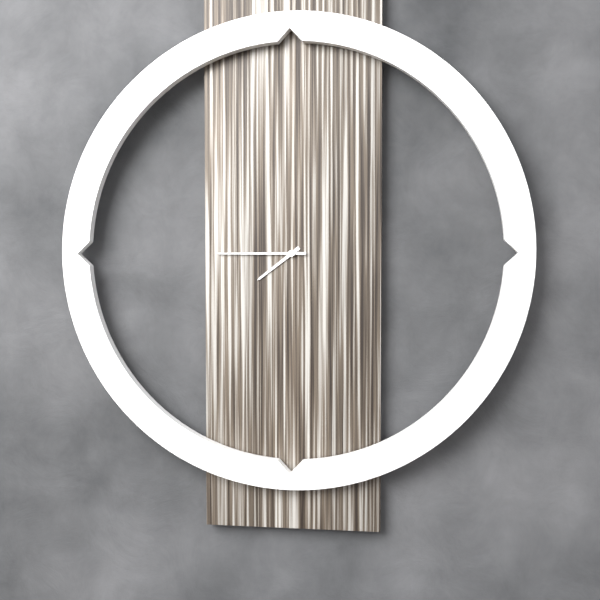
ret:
7.45
